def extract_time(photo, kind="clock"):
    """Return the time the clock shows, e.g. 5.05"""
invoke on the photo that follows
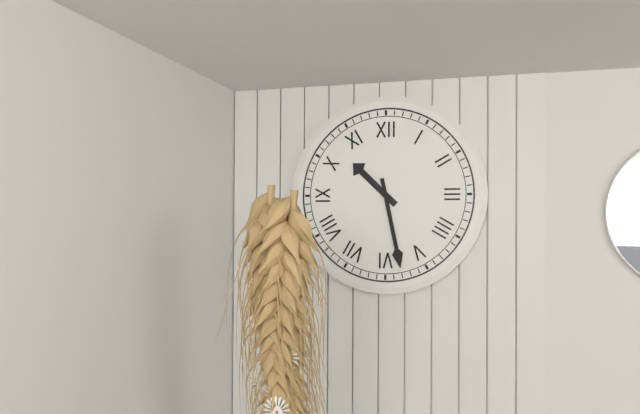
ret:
10.28
